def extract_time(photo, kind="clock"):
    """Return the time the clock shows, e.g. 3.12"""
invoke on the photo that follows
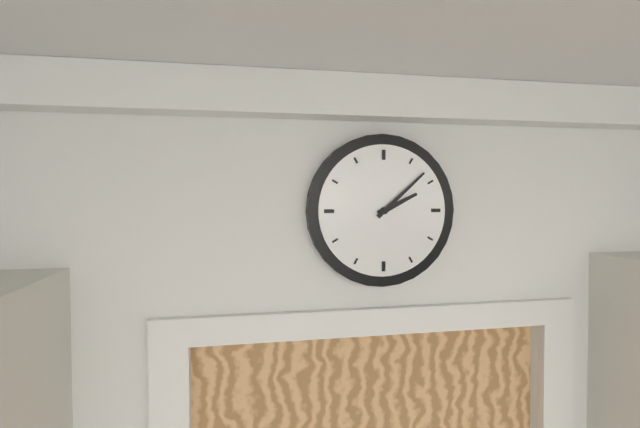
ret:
2.08
